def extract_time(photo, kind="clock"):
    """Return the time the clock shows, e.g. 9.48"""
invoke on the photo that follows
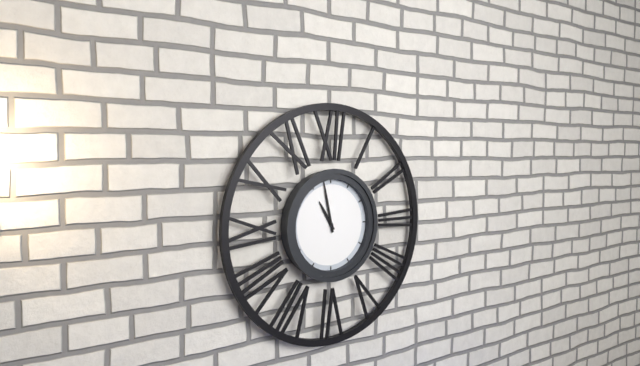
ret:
10.58
